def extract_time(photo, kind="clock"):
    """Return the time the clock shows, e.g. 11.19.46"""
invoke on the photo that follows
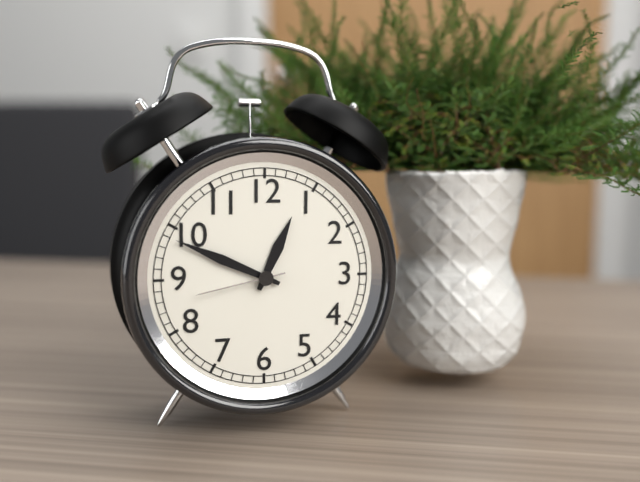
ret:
12.49.43
